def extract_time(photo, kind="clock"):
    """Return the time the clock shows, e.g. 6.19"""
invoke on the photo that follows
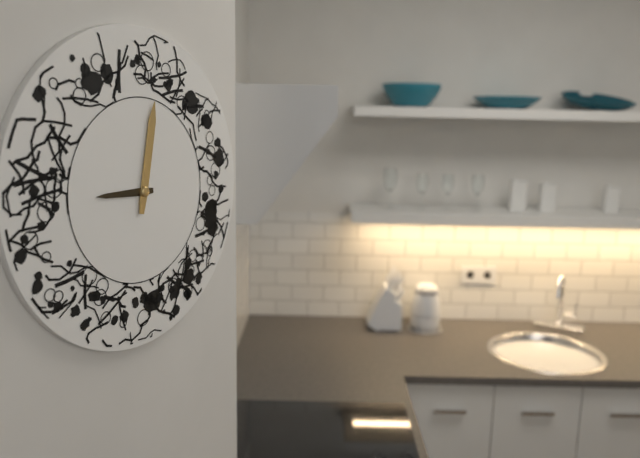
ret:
9.02
